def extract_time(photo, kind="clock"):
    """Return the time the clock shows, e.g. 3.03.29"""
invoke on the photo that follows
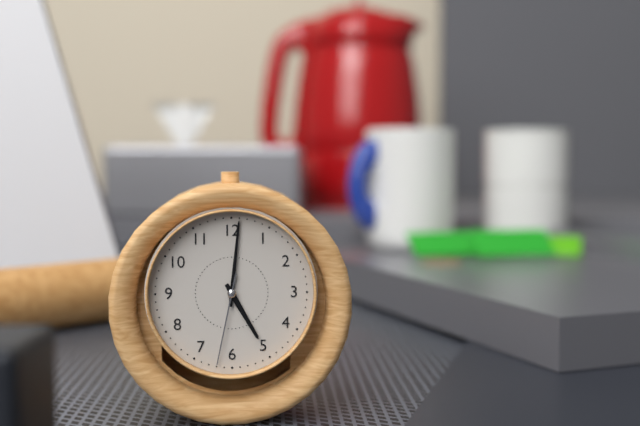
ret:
5.01.32
